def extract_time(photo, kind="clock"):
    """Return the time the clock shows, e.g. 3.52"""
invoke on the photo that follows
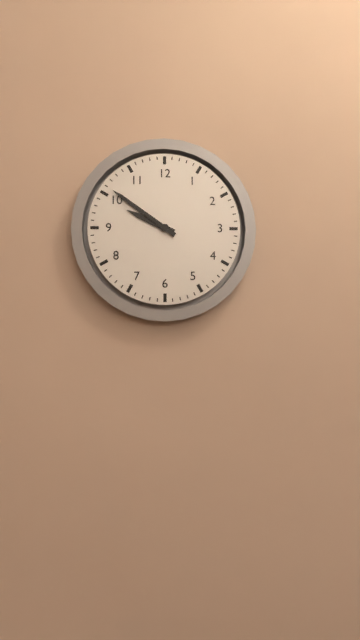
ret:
9.51
